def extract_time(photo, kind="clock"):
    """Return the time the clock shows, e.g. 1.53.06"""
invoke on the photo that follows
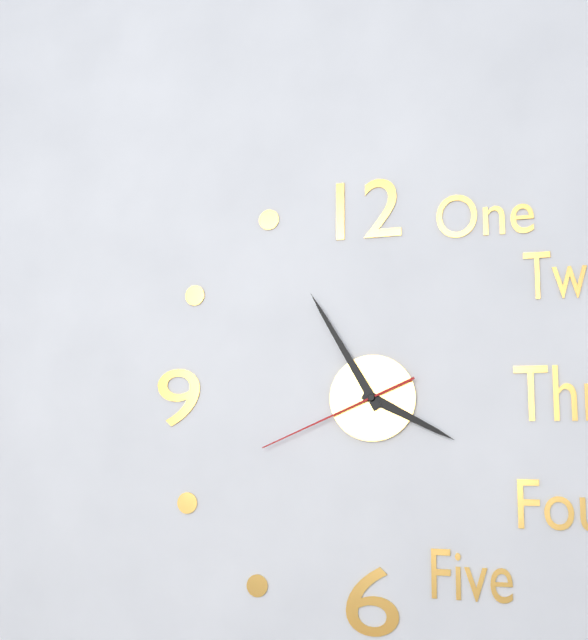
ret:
3.55.41
